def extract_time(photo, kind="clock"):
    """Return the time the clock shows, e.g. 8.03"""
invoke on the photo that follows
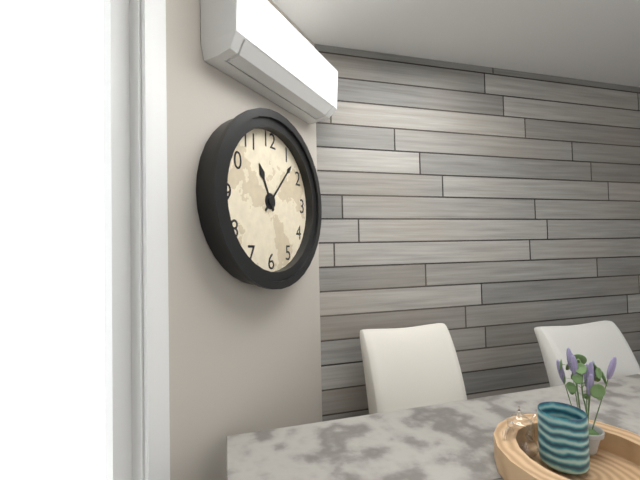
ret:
11.07
